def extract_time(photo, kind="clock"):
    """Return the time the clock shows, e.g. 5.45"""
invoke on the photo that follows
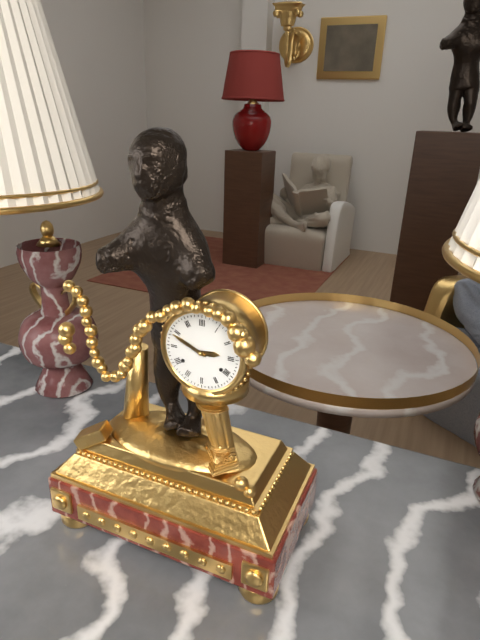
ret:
2.49
